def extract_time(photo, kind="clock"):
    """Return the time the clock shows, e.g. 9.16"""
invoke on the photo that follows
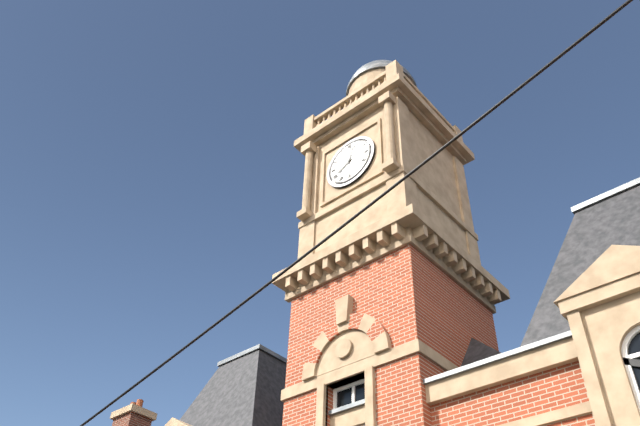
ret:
8.03
